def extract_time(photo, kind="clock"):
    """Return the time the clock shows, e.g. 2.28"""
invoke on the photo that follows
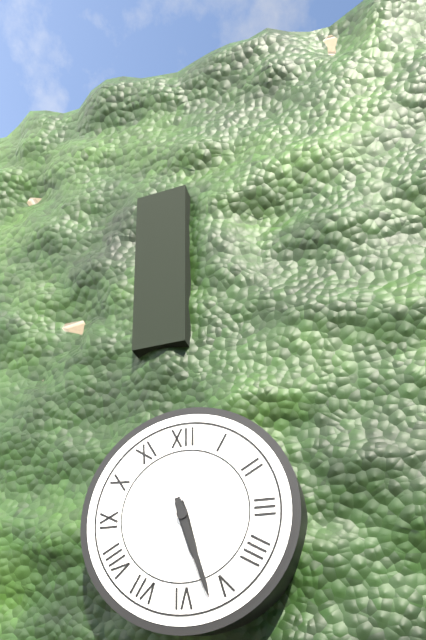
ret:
5.27
